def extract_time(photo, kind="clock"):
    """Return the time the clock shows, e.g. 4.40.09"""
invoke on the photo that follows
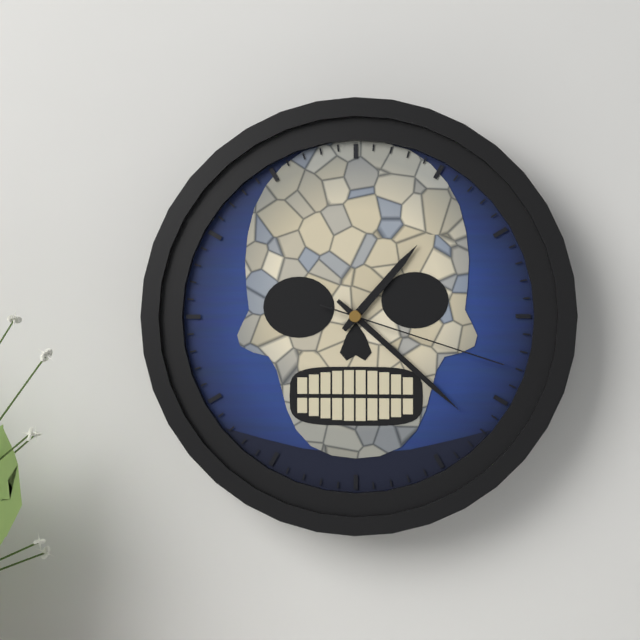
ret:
1.22.18
